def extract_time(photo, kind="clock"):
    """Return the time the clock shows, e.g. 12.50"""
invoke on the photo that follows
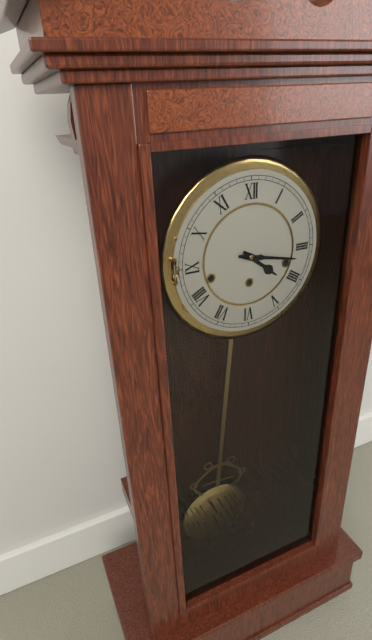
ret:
4.17
